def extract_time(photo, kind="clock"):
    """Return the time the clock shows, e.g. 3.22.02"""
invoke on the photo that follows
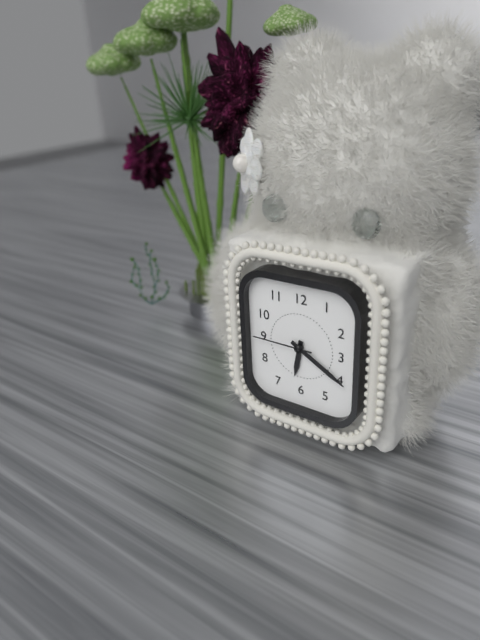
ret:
6.20.45
